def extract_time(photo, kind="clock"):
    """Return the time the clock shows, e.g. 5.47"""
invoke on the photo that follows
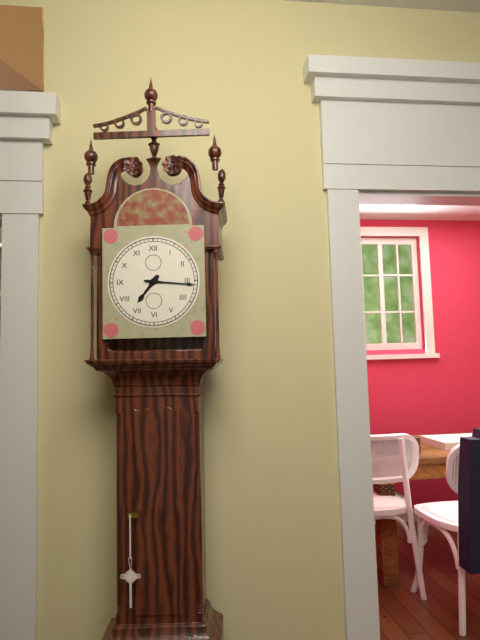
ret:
7.16
